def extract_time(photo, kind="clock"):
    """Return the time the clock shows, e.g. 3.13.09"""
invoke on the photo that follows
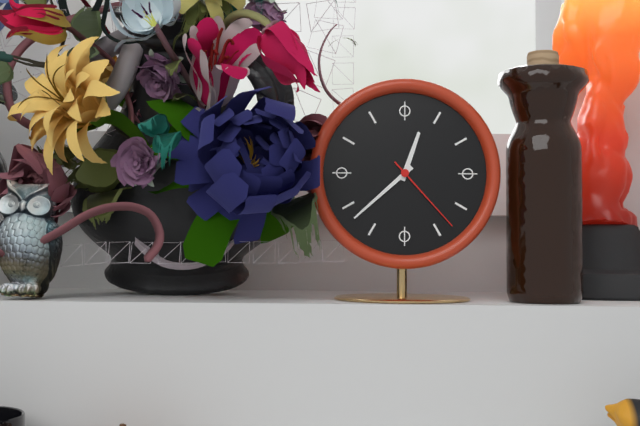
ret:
12.38.23
